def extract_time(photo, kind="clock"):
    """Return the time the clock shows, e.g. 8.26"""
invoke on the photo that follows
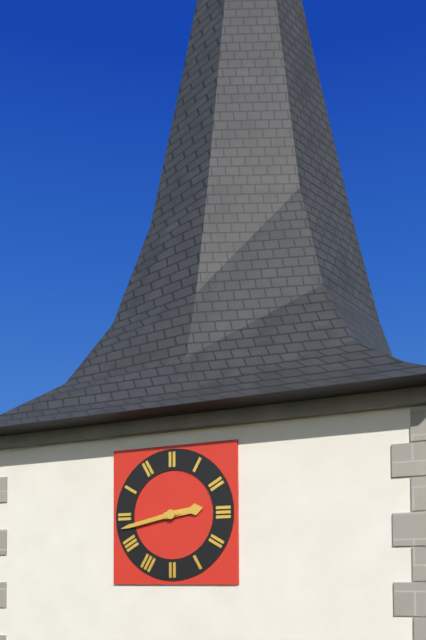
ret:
2.43
